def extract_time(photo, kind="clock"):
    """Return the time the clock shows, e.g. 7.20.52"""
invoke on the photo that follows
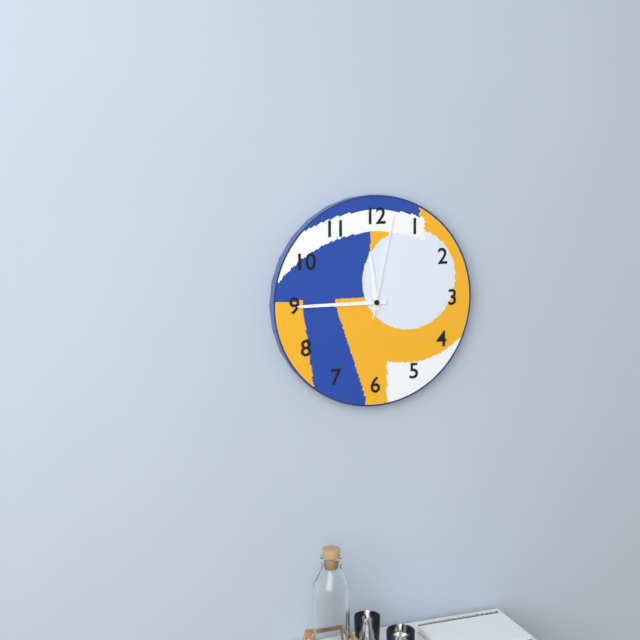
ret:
11.45.02
